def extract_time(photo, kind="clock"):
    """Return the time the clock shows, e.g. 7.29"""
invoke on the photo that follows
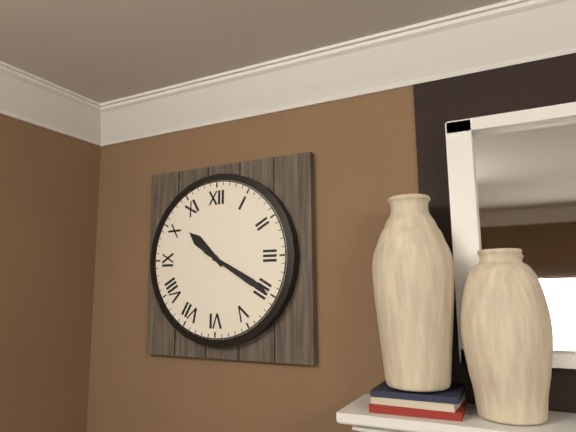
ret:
10.20
